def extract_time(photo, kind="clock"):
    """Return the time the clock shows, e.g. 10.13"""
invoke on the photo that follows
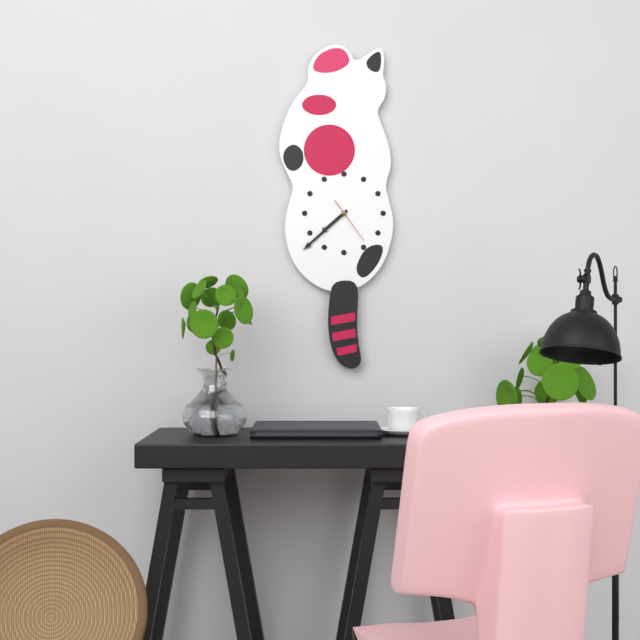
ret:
7.38
